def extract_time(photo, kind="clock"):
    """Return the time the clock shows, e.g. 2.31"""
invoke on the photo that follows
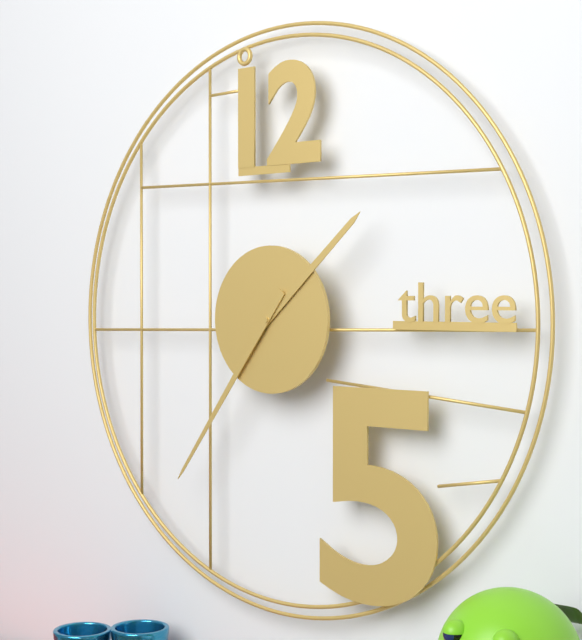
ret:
1.36
